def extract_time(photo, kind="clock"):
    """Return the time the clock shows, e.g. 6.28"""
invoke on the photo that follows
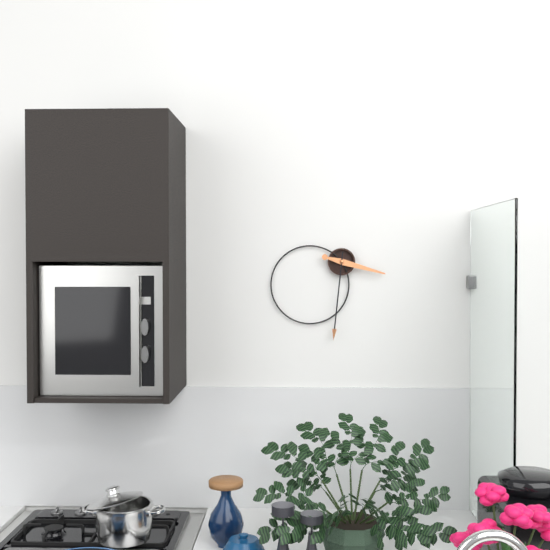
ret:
3.31
